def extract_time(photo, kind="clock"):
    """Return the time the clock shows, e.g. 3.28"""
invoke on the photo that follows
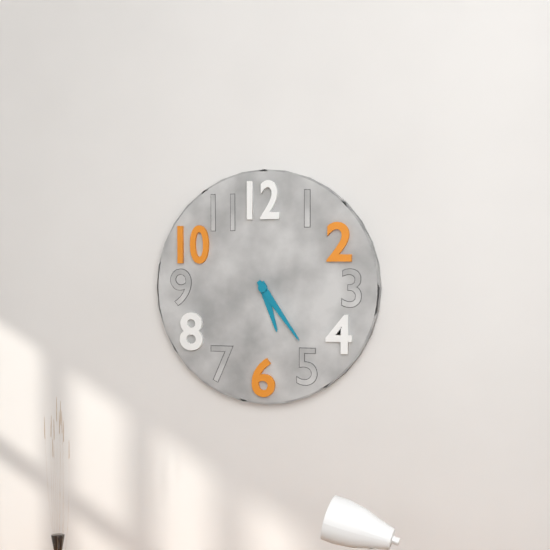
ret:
5.24
